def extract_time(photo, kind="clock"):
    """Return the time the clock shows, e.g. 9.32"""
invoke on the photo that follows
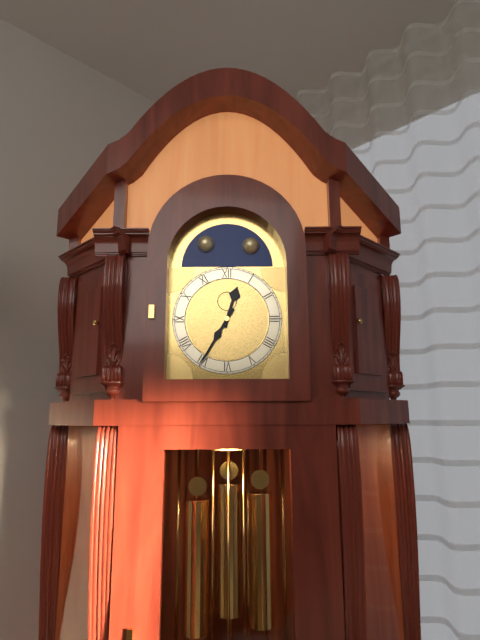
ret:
12.35
